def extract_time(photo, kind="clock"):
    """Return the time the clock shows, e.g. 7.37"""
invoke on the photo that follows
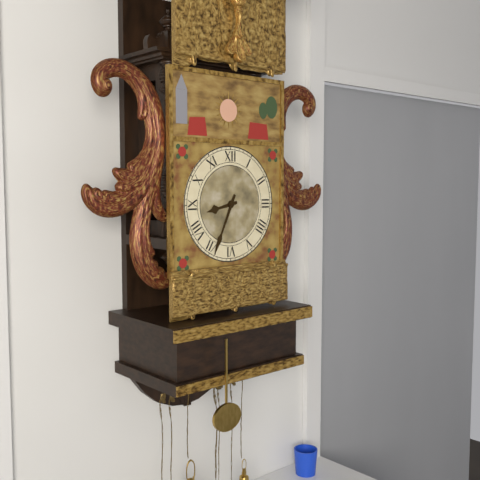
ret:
8.34
